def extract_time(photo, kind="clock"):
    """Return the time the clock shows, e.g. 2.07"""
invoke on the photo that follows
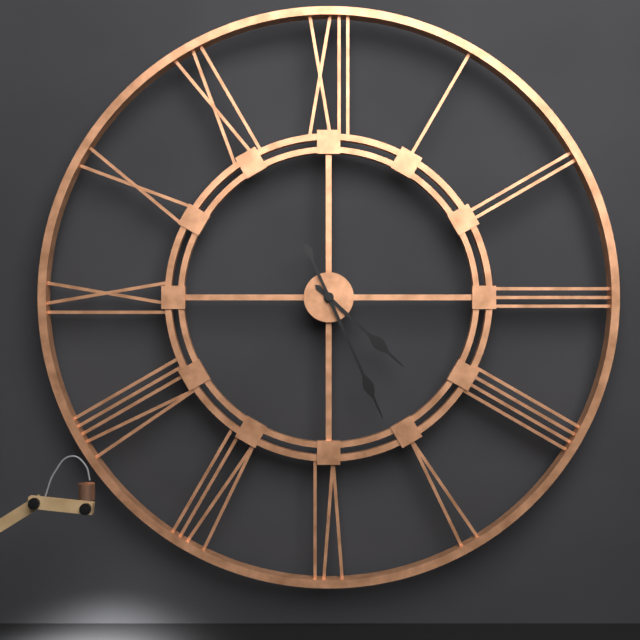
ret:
4.26
